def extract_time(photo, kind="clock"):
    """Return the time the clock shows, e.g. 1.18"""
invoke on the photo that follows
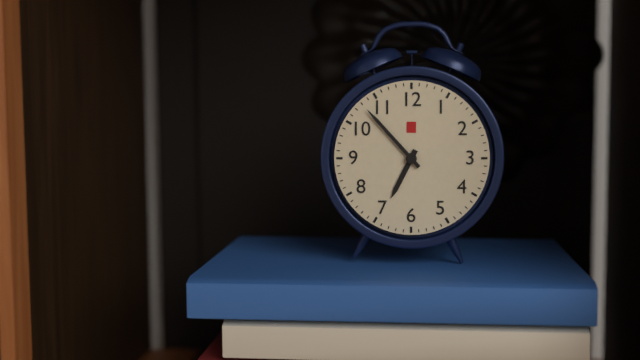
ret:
6.53
